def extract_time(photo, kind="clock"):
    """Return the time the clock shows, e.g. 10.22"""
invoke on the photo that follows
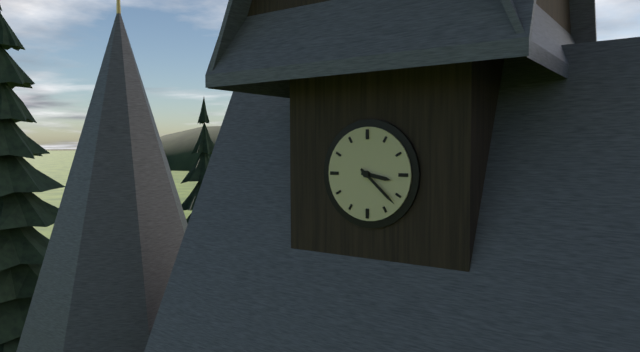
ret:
3.22
